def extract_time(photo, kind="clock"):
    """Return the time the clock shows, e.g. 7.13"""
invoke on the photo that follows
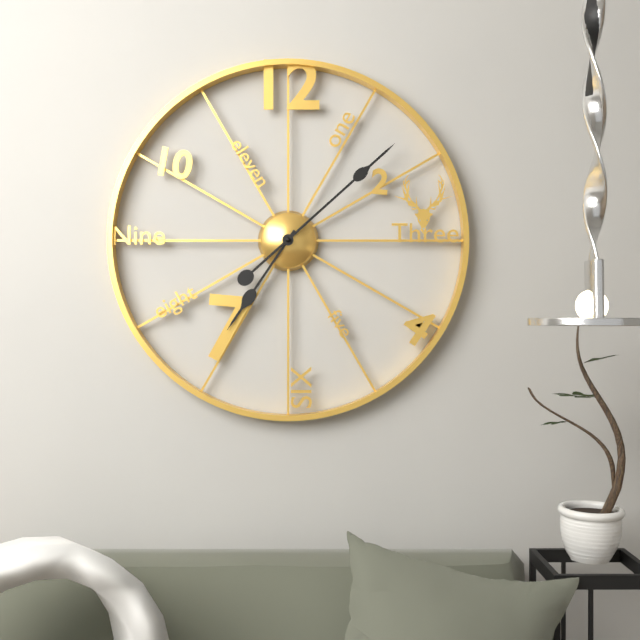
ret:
7.08
